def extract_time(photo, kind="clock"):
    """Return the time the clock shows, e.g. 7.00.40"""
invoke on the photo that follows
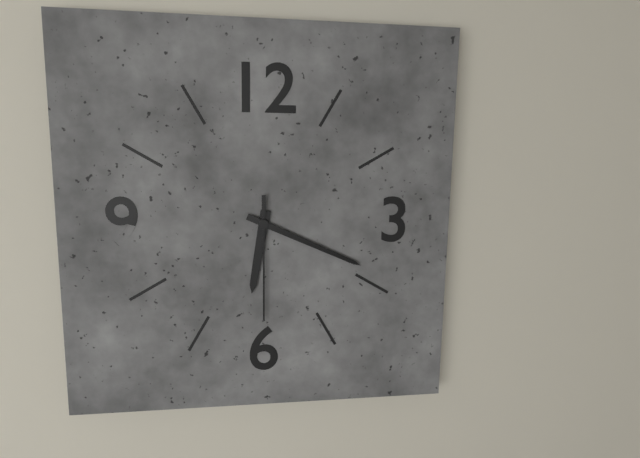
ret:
6.19.30
